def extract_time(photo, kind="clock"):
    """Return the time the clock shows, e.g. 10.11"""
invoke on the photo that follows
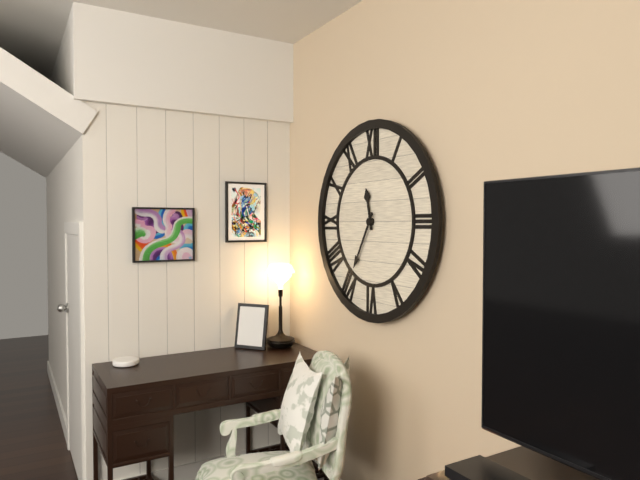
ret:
11.35
